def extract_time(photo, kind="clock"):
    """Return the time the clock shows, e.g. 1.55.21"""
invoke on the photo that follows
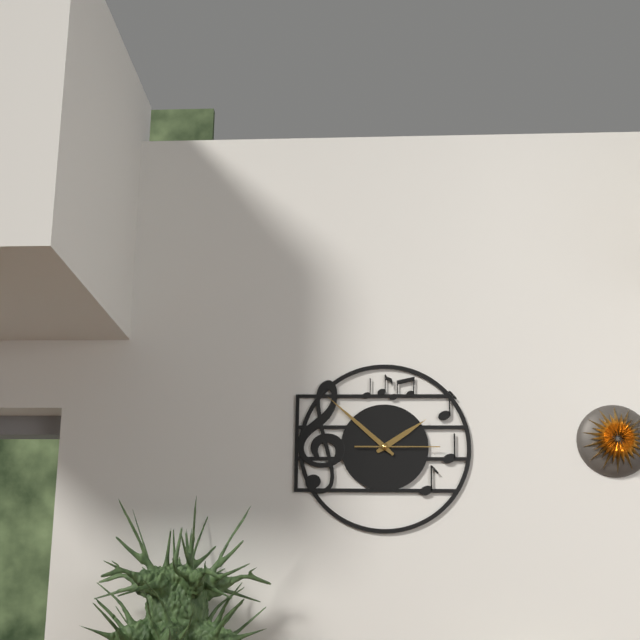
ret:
1.52.15
